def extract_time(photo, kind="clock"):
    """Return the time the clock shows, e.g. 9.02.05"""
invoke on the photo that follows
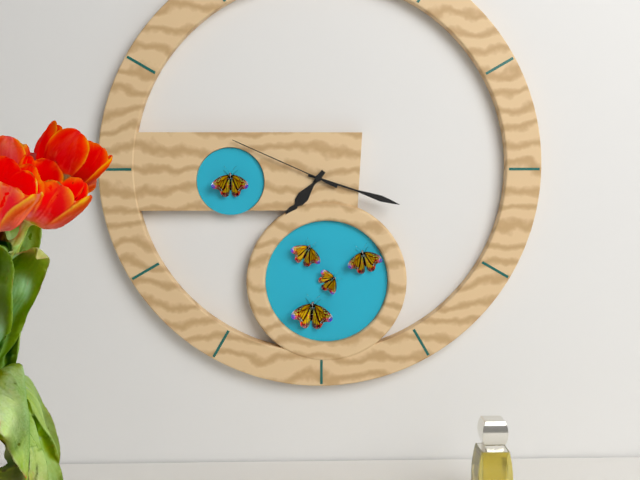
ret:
7.18.49
